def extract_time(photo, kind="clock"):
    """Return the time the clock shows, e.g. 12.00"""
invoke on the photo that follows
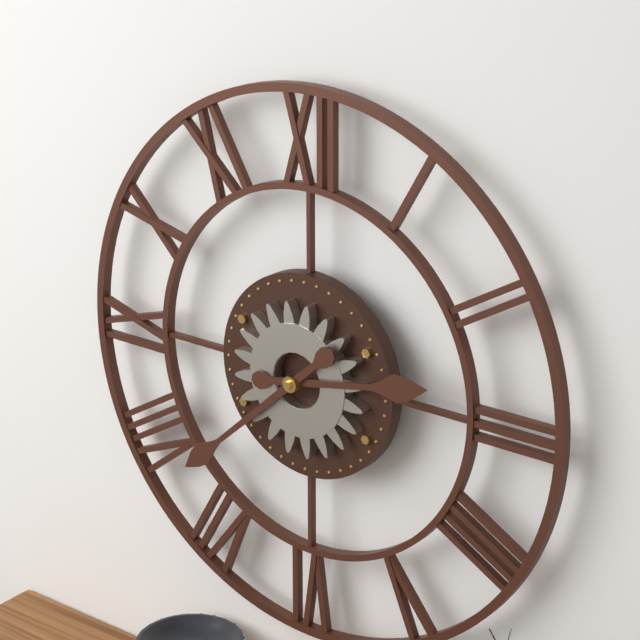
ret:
2.38
